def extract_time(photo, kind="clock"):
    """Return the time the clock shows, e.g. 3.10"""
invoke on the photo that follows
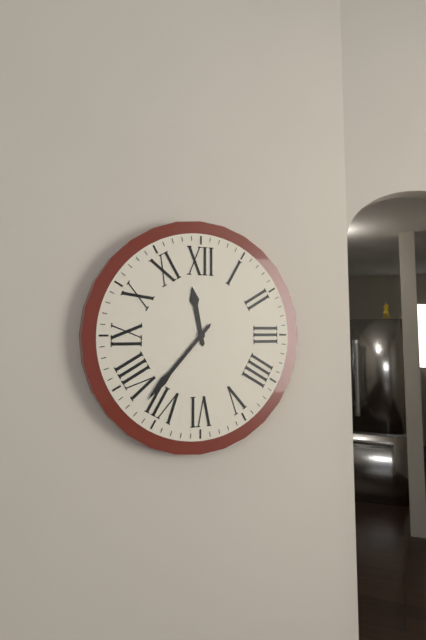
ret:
11.37
